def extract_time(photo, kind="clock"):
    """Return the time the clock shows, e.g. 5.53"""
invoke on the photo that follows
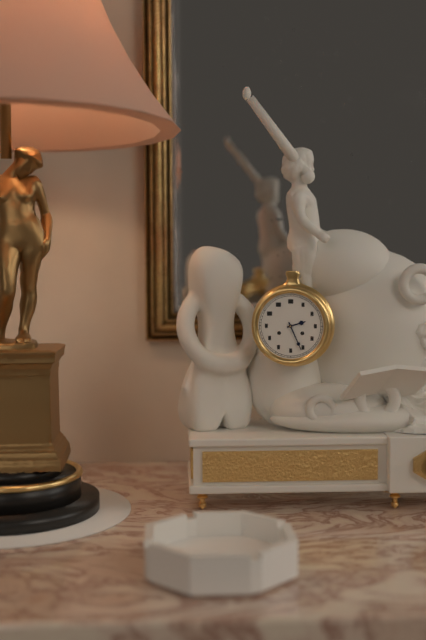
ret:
2.26
